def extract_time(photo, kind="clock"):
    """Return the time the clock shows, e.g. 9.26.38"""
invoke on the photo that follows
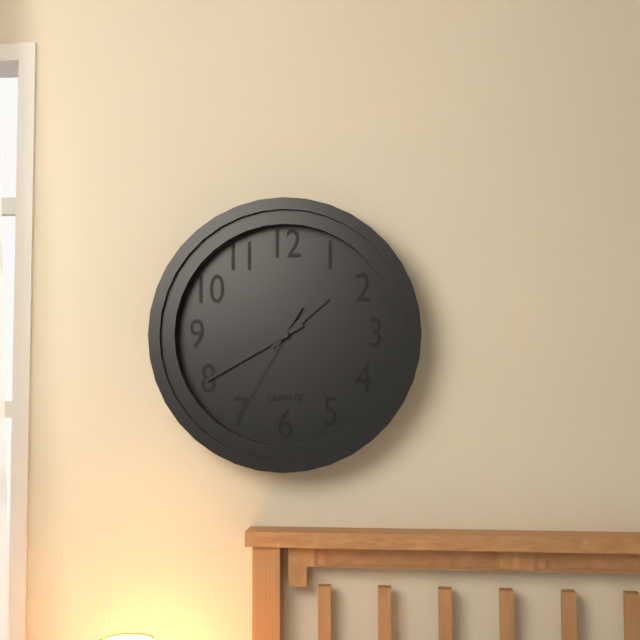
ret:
1.40.35
